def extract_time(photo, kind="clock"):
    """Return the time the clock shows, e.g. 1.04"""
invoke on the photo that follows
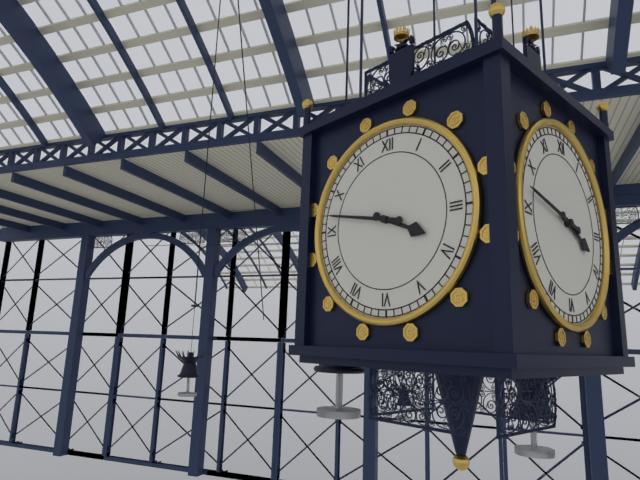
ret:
3.47
